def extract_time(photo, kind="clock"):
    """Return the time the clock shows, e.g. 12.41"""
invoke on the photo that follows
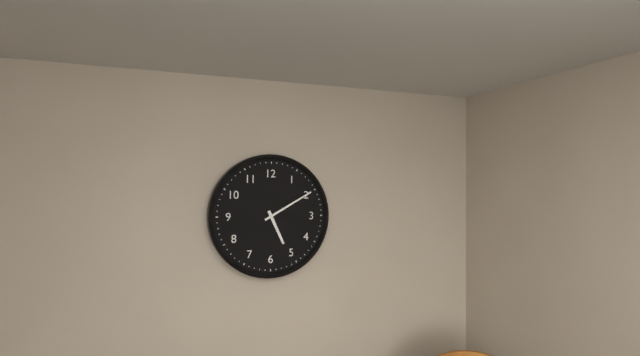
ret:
5.10
